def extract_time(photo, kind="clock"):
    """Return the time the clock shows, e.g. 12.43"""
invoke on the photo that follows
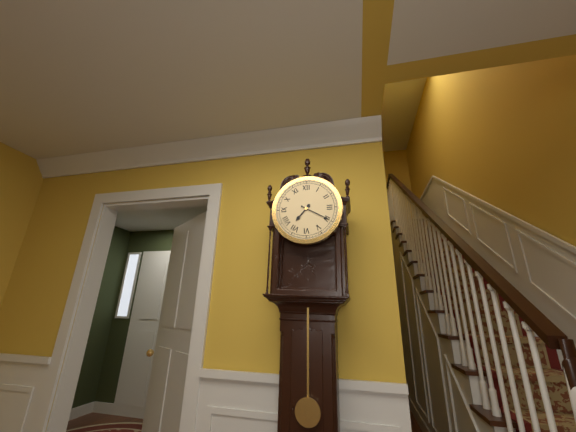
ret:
7.20
